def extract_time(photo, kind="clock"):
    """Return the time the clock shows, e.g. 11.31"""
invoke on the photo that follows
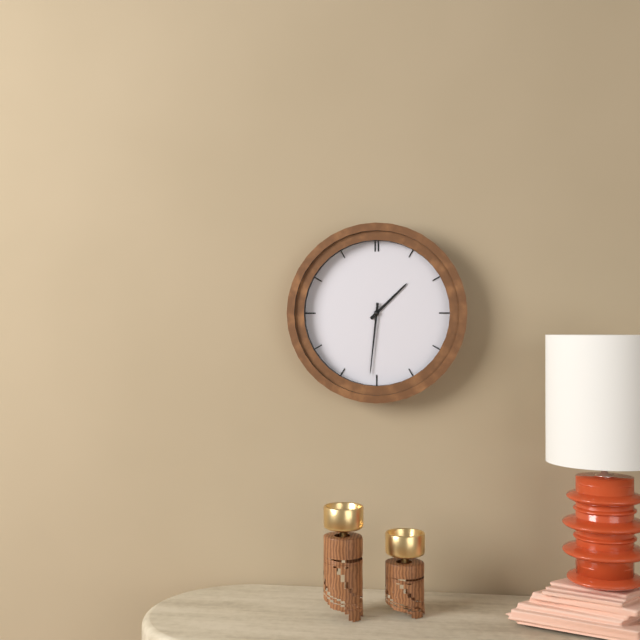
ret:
1.31
